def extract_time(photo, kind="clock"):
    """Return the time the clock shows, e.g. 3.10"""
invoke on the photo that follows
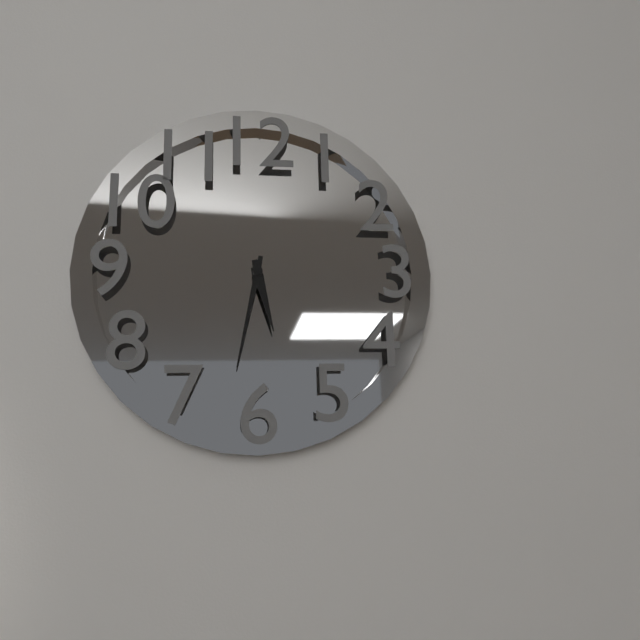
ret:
5.32
